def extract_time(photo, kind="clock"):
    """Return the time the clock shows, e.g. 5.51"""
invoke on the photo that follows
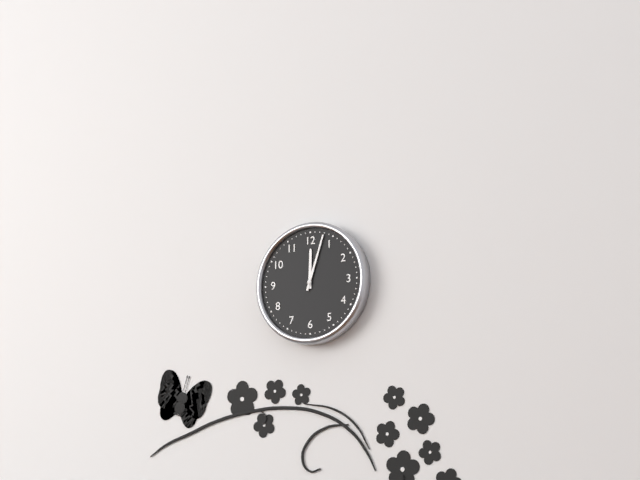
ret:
12.03
